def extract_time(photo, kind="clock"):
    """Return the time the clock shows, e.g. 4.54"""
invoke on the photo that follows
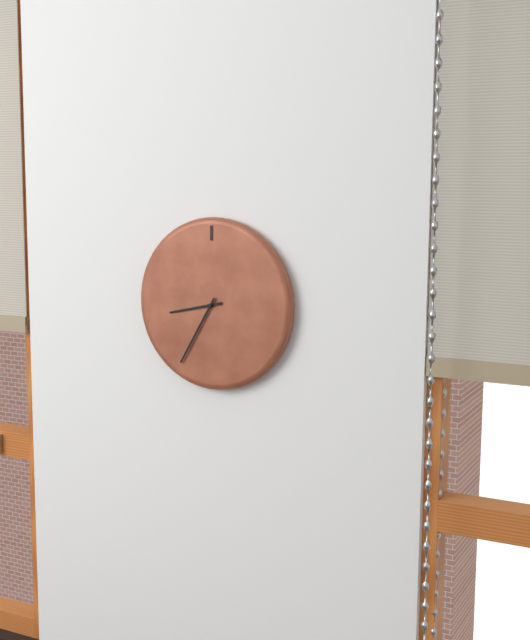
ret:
8.35
